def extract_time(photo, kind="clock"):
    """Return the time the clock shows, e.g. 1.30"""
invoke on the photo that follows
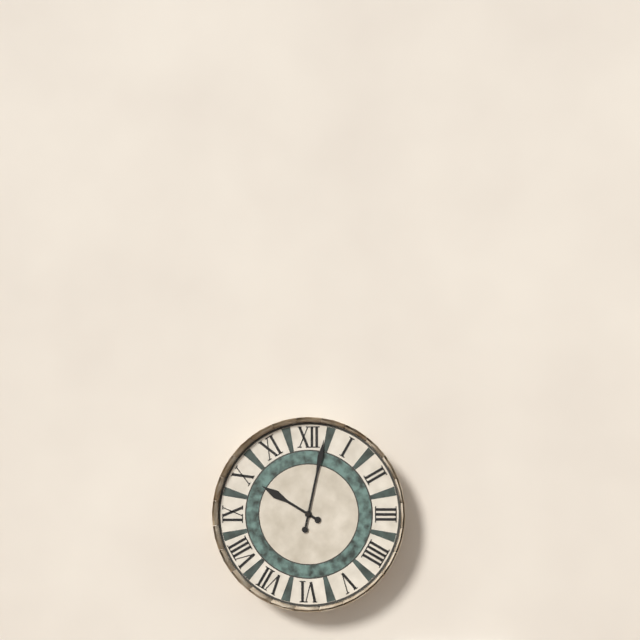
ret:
10.02
